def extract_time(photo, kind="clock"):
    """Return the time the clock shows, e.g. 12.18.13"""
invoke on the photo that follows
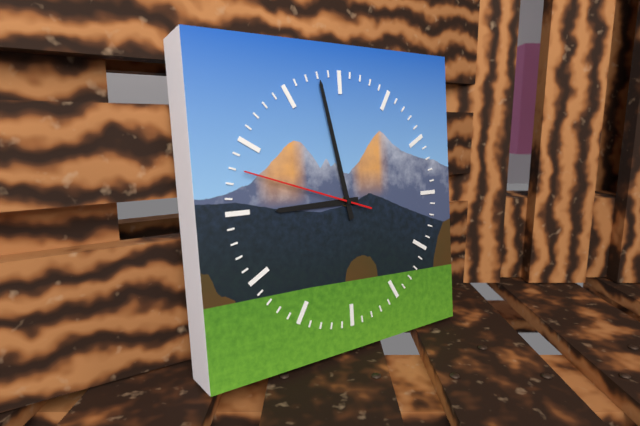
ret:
8.58.48
